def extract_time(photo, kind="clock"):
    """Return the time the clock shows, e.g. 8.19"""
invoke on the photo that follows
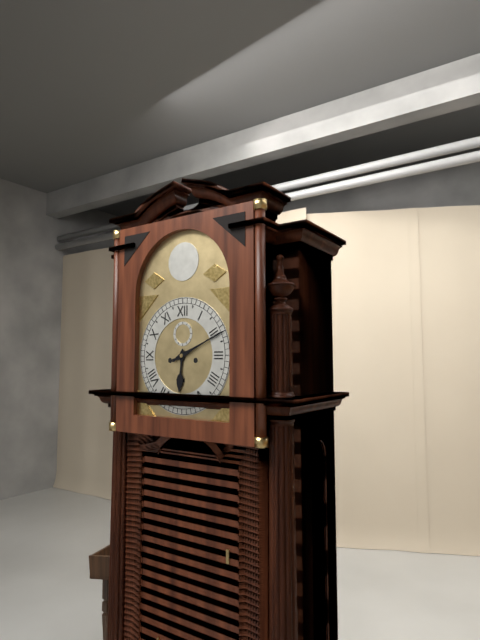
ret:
6.11
